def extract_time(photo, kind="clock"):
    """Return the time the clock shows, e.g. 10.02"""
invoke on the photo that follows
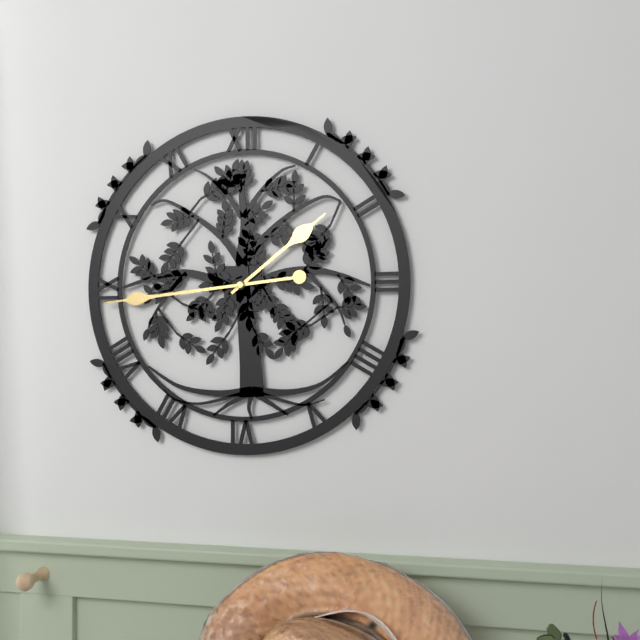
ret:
1.44
